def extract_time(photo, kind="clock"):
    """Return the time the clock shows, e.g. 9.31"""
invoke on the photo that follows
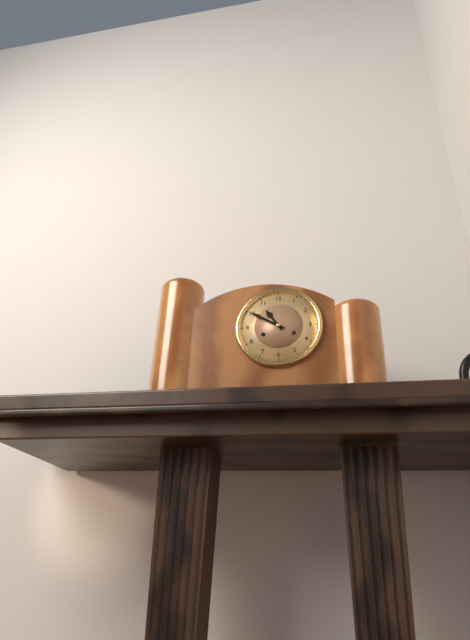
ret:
10.50
